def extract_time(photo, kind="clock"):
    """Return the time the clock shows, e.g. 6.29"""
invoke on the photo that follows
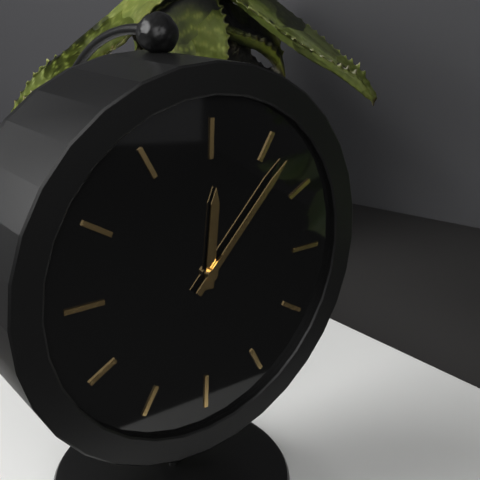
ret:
12.07
